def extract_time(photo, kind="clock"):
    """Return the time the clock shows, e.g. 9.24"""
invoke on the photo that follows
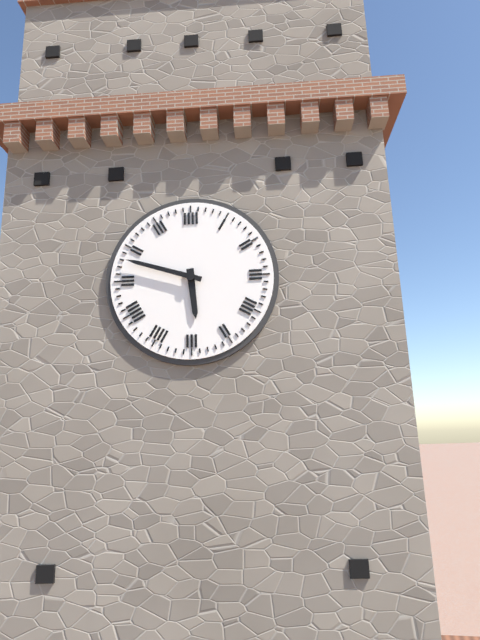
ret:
5.48
